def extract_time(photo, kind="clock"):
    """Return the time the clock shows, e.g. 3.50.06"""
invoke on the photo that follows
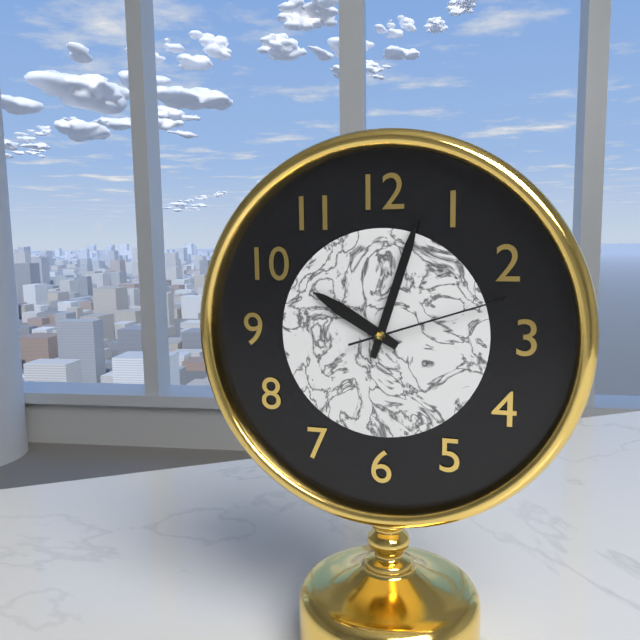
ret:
10.03.12
